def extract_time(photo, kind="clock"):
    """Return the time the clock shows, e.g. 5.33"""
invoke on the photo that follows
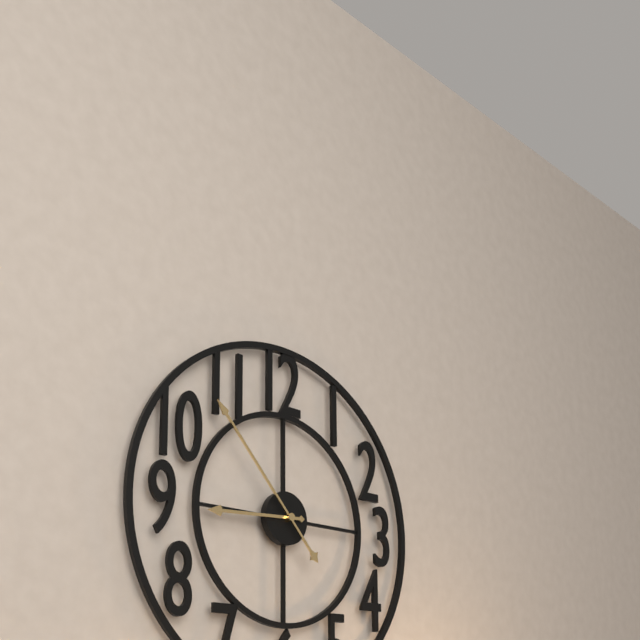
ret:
8.53
